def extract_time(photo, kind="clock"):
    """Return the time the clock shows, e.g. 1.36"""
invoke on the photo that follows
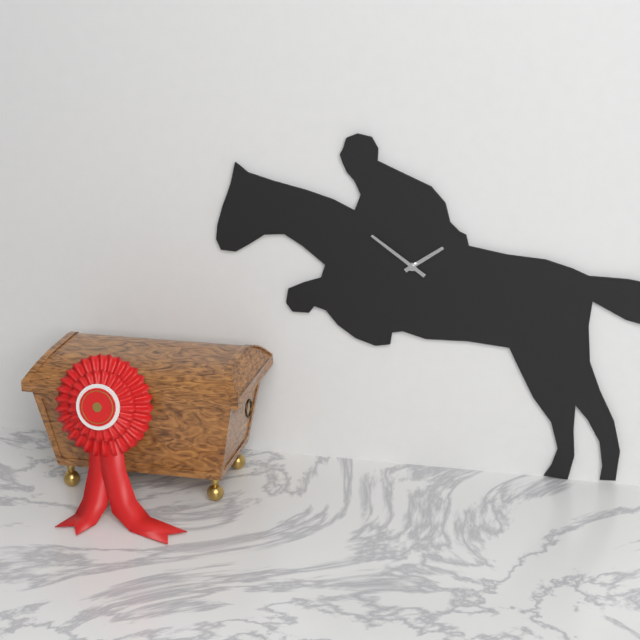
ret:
1.51
